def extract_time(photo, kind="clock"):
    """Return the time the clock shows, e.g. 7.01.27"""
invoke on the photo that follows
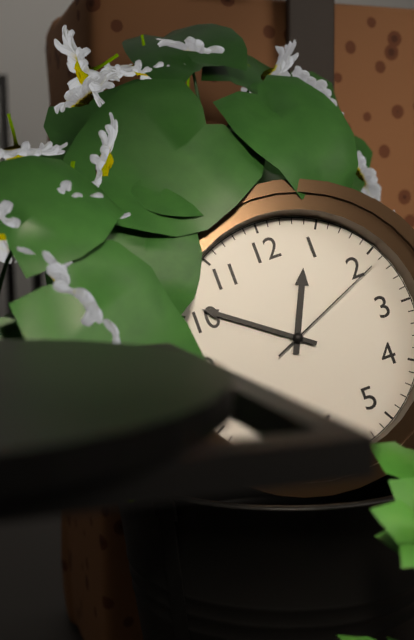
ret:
12.51.11
